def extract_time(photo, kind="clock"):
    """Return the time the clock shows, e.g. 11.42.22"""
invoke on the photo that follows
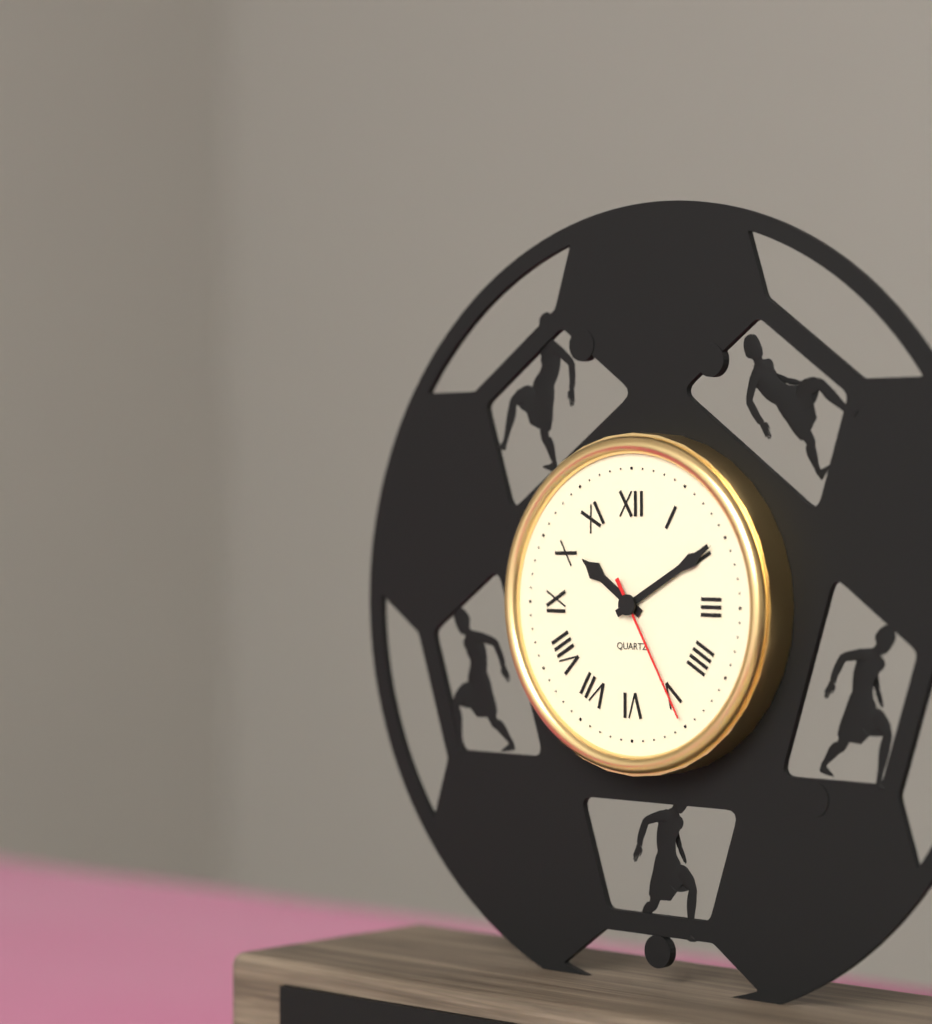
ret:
10.10.25
